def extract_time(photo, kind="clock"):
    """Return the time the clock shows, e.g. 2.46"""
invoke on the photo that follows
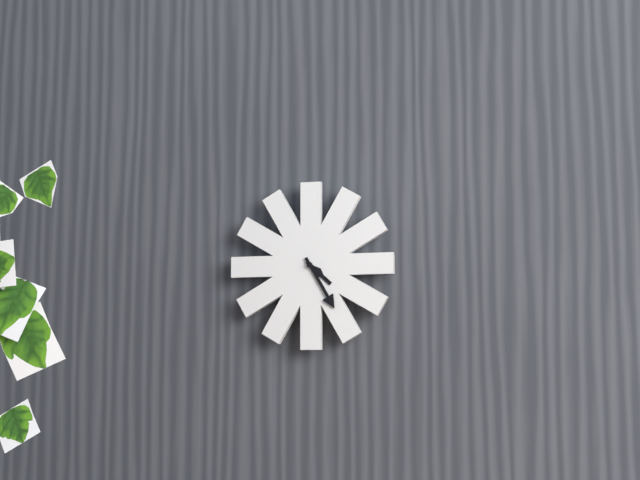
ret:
4.25
